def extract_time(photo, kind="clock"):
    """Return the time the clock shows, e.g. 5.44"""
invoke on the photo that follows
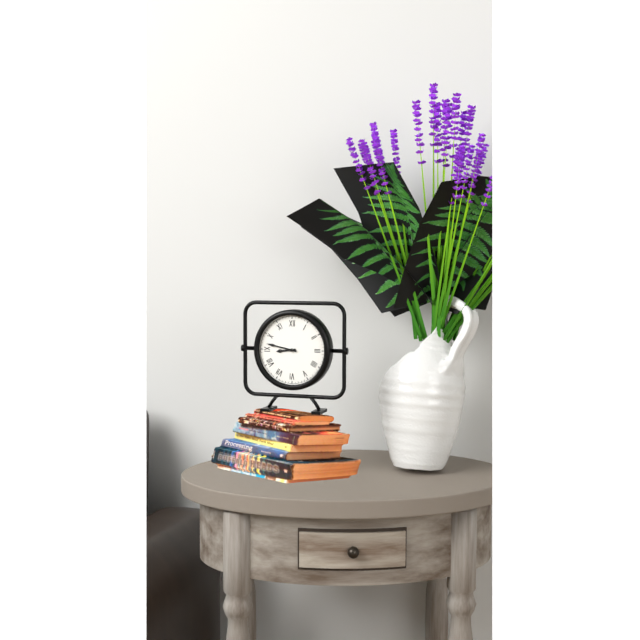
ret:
8.47
